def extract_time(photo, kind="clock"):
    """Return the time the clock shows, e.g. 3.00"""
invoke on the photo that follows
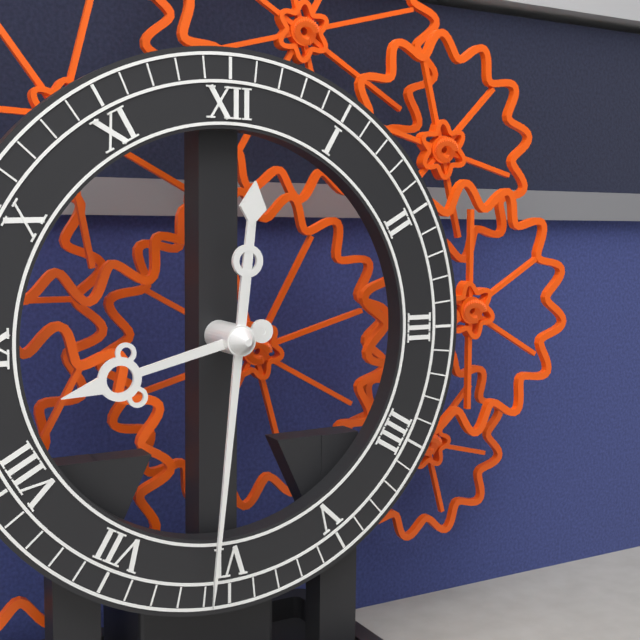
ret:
8.31
